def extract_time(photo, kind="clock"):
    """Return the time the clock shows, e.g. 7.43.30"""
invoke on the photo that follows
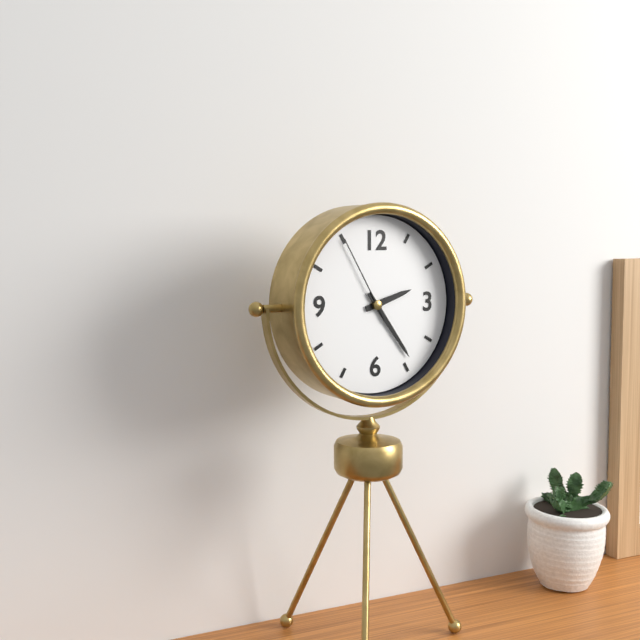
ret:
2.24.55
